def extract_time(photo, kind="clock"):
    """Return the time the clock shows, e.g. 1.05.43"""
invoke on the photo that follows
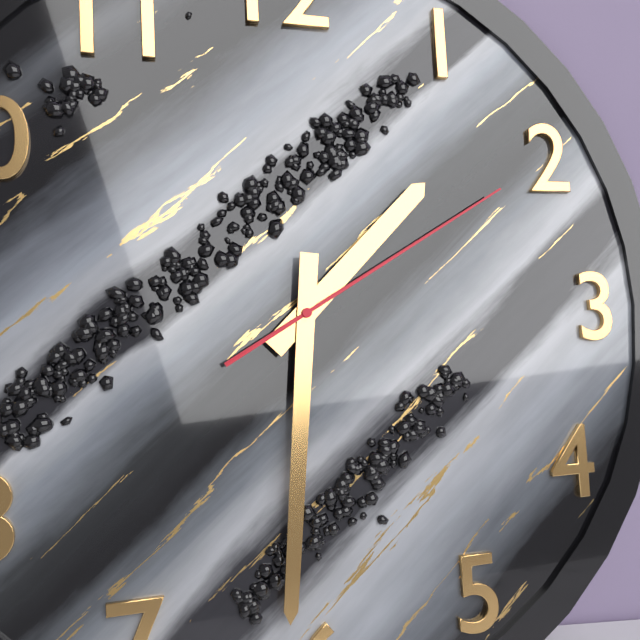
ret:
1.31.10
